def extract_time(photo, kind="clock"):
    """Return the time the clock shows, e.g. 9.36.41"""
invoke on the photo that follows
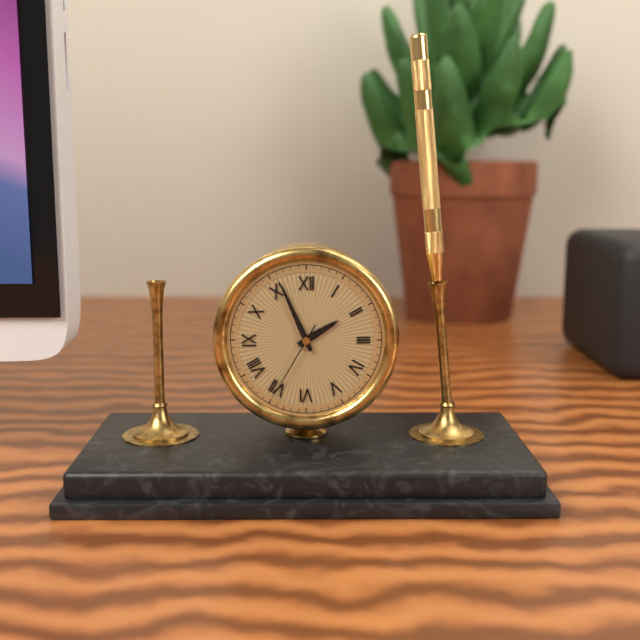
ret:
1.56.35
